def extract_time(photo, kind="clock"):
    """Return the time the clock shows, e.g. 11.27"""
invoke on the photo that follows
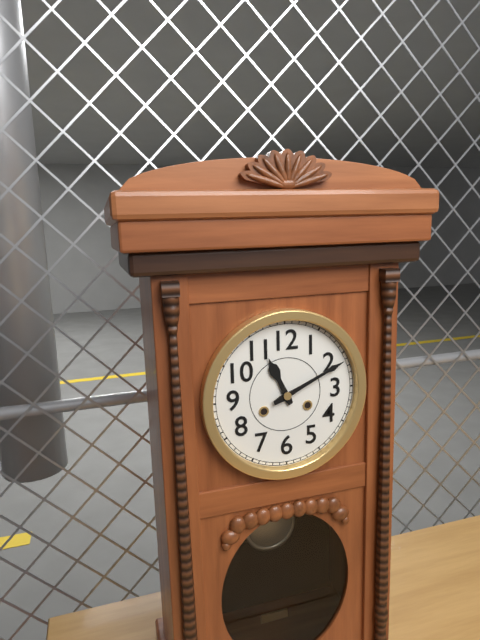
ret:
11.11
